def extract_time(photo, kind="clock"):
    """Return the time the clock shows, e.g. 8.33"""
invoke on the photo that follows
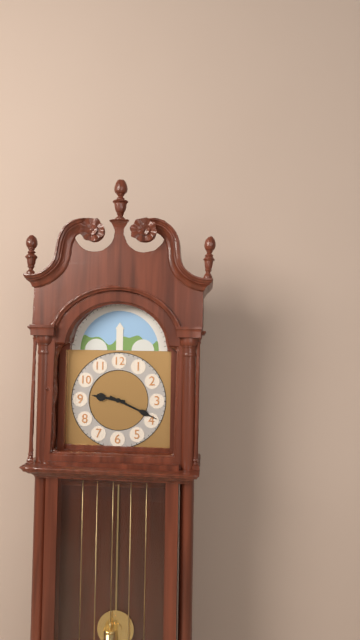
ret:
9.19
